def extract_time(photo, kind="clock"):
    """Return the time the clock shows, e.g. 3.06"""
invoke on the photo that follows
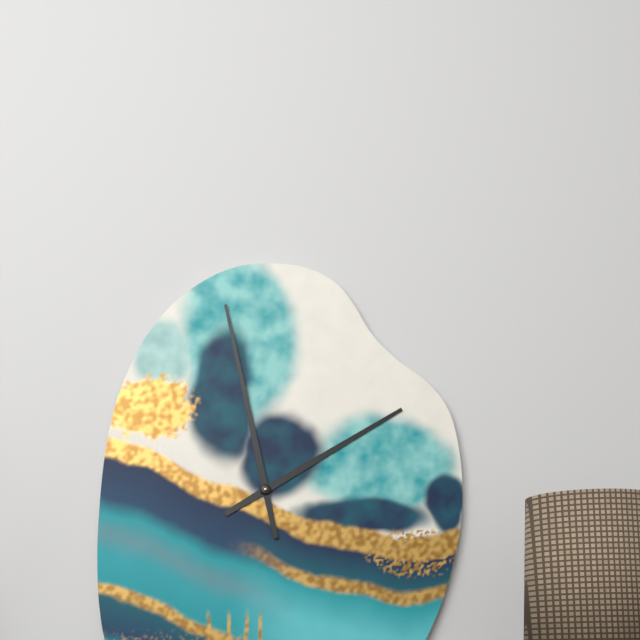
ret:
1.58
